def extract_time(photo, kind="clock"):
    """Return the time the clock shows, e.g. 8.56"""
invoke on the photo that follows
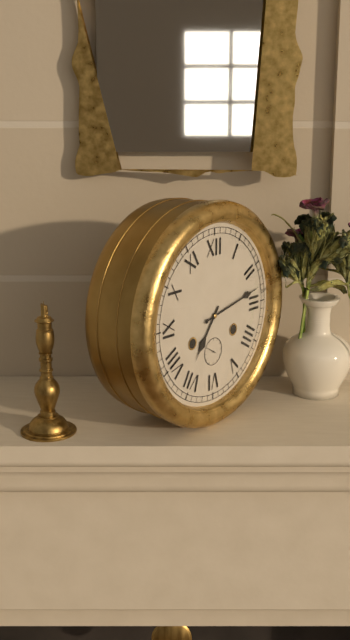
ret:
7.13
